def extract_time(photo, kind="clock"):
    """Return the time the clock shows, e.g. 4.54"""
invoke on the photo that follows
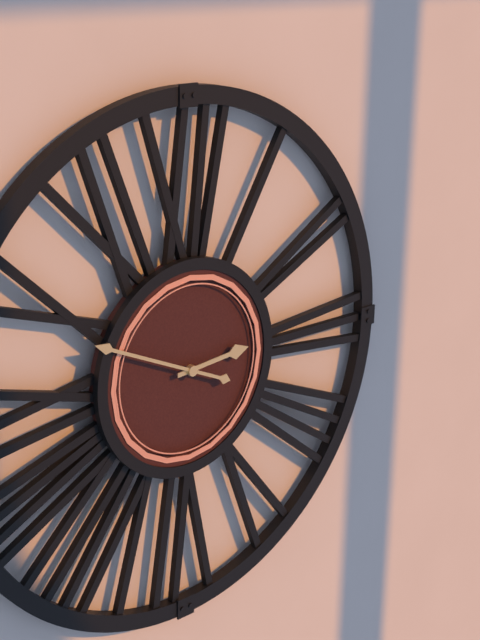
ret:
2.49
